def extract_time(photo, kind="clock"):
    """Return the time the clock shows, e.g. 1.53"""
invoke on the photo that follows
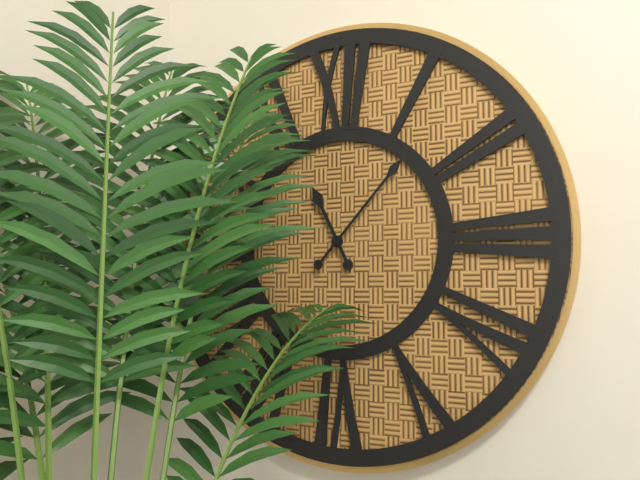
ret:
11.07
